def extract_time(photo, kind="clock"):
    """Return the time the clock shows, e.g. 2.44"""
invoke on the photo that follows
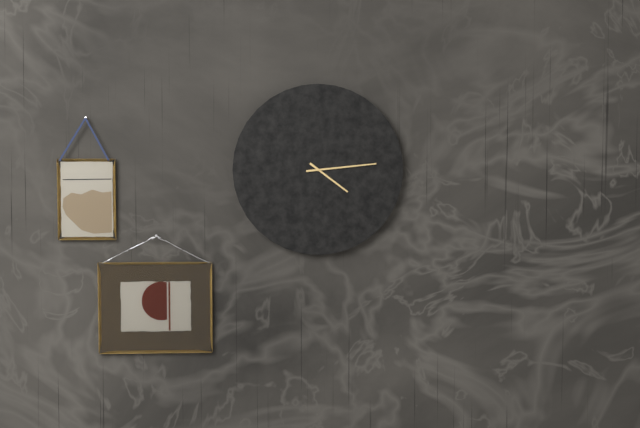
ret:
4.14
